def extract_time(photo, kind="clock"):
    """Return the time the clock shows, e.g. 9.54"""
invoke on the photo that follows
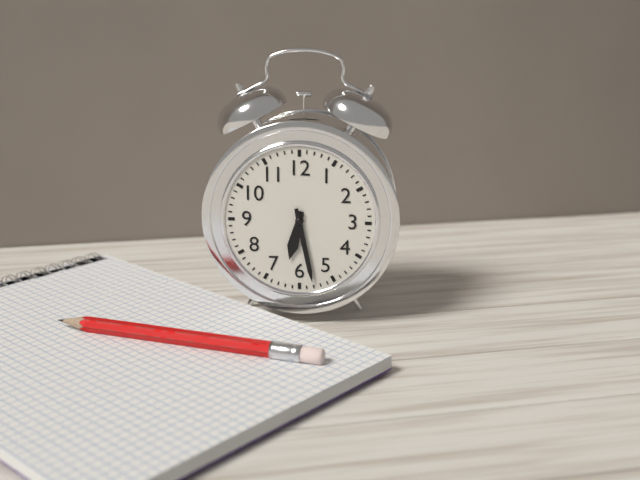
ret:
6.28
